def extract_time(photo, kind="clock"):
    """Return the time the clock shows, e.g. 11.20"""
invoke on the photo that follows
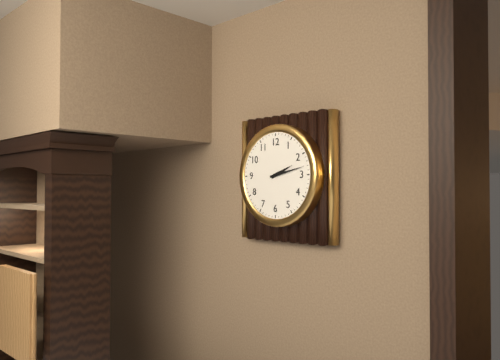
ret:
2.13
